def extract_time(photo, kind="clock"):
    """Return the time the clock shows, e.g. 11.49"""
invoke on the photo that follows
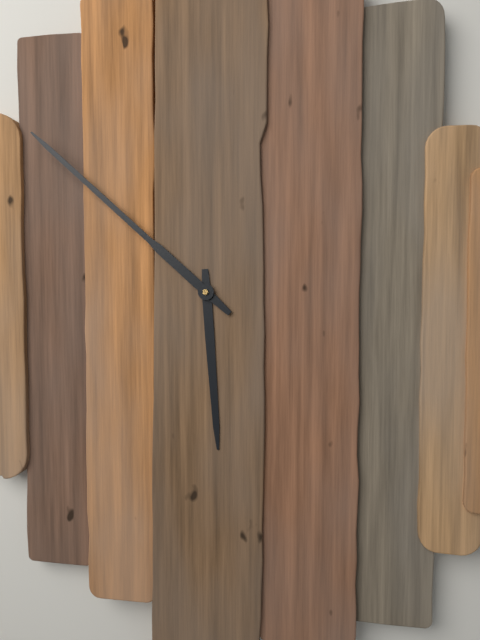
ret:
5.52
